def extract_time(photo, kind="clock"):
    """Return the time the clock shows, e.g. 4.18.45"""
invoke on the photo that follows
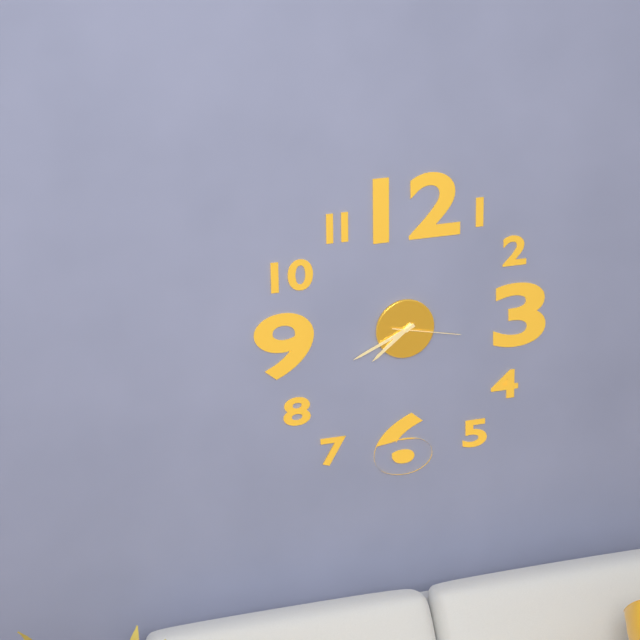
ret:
7.41.17
